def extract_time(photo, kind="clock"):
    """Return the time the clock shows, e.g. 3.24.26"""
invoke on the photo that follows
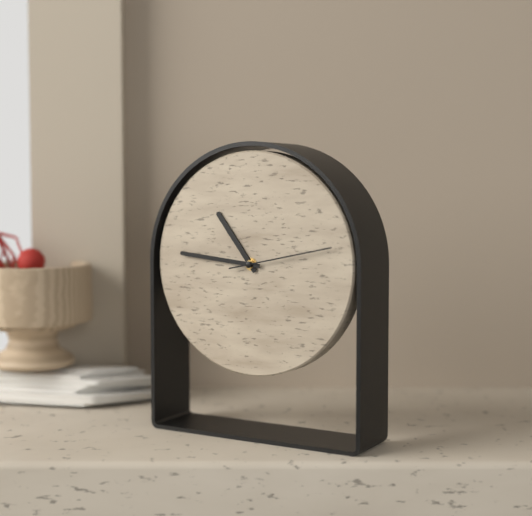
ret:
10.46.13
